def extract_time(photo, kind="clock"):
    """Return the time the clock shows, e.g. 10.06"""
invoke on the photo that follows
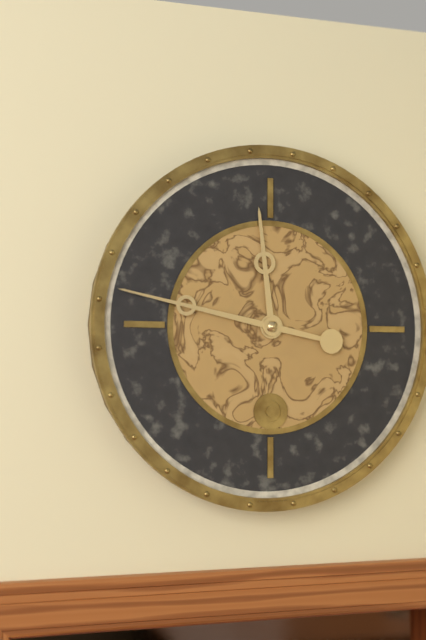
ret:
11.47
